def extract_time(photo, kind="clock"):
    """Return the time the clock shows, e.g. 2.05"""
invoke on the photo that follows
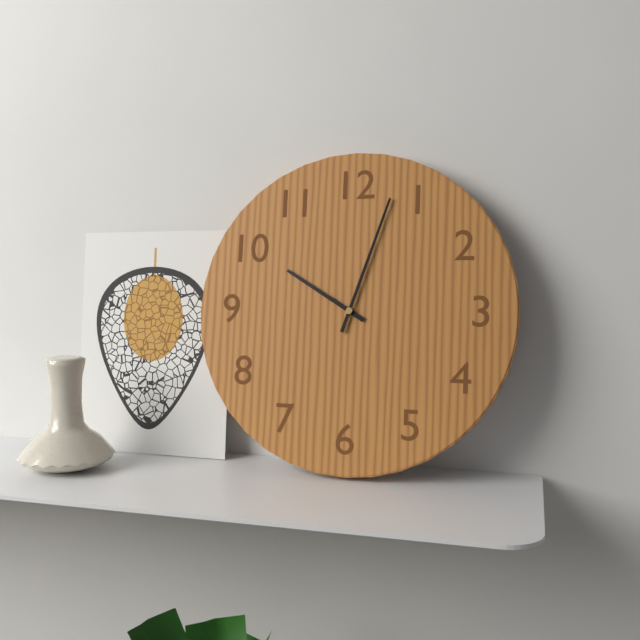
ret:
10.03
